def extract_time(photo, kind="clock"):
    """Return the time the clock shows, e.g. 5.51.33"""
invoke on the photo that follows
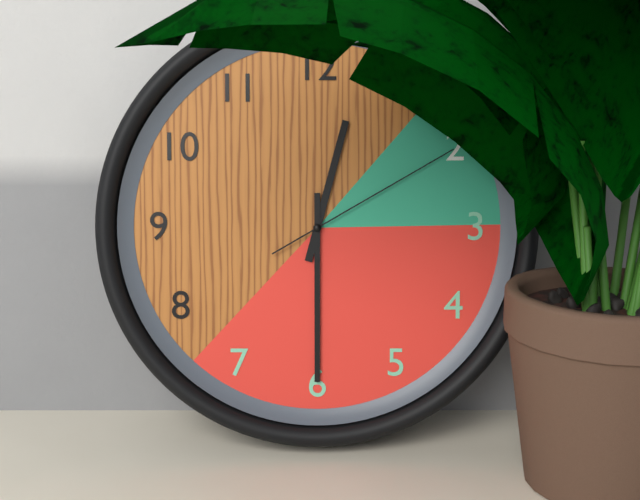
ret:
12.30.10
